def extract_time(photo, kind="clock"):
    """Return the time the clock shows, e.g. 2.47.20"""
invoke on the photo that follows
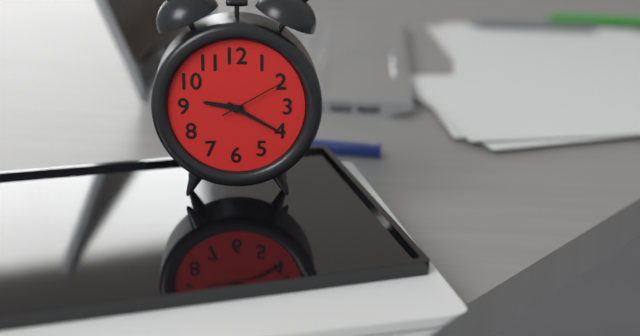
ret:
9.20.10
